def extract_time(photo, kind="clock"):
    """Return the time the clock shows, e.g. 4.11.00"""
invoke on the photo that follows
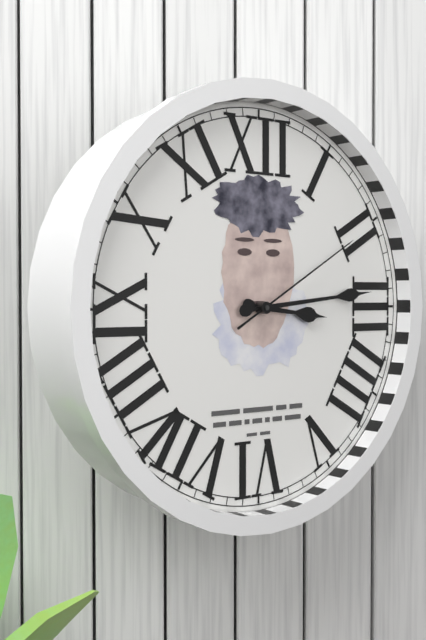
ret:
3.14.10
